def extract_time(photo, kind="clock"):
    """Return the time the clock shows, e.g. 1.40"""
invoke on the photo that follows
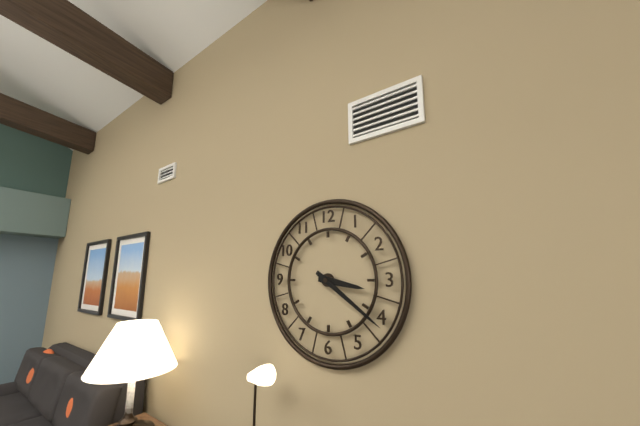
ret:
3.21
